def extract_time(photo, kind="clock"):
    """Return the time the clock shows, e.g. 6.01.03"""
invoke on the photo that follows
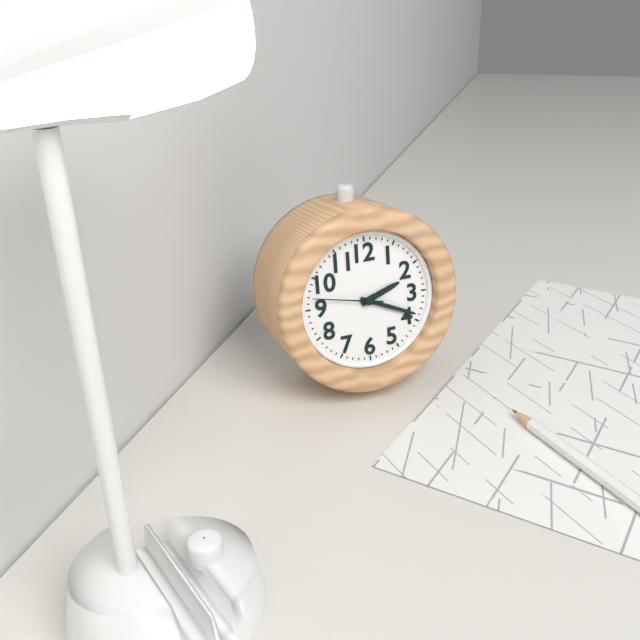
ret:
2.19.47
